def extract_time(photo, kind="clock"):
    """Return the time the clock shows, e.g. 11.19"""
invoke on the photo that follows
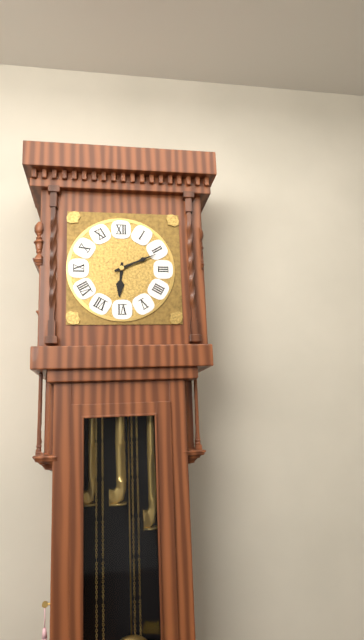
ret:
6.11
